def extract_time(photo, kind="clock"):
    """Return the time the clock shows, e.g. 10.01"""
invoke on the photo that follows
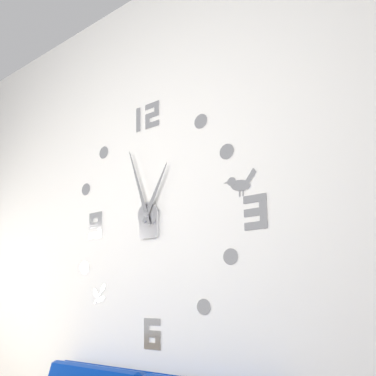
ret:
12.57
